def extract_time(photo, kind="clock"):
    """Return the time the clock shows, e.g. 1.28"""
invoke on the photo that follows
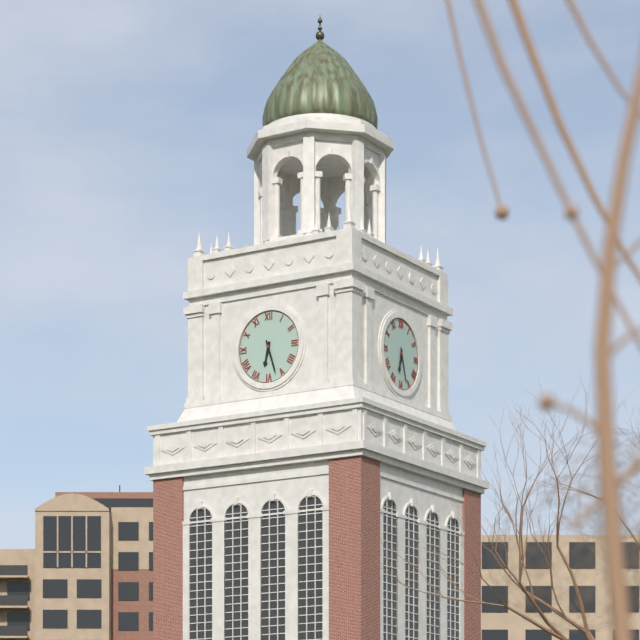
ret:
6.27
